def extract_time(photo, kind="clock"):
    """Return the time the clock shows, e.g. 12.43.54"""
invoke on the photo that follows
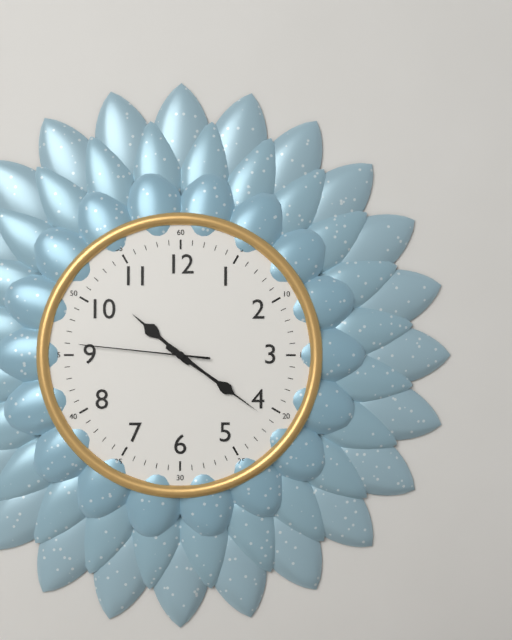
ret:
10.21.46
